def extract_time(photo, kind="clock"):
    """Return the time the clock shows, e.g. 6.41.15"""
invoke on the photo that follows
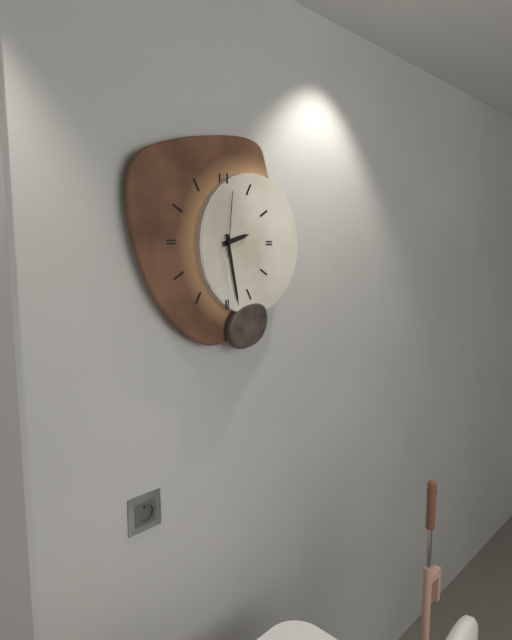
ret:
2.28.01
